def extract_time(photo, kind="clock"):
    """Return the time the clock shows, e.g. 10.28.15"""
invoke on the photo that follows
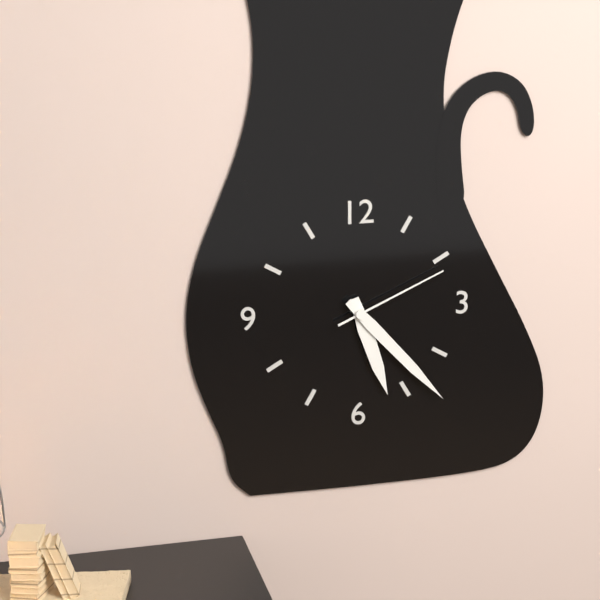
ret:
5.23.11
